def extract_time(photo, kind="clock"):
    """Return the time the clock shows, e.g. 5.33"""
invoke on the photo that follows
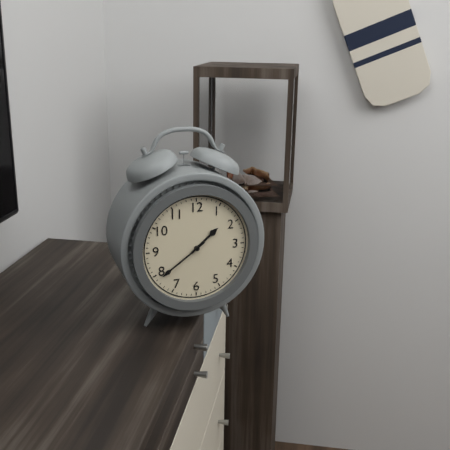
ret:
1.39
